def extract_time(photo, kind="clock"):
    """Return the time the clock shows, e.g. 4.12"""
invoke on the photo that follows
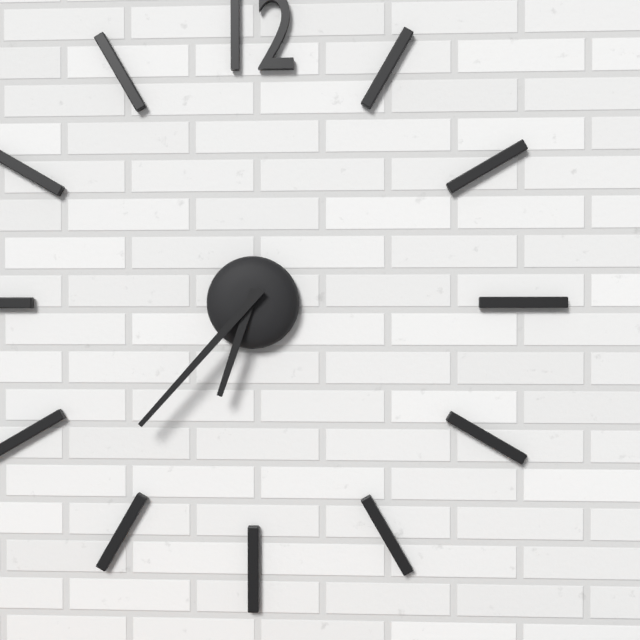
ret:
6.37
